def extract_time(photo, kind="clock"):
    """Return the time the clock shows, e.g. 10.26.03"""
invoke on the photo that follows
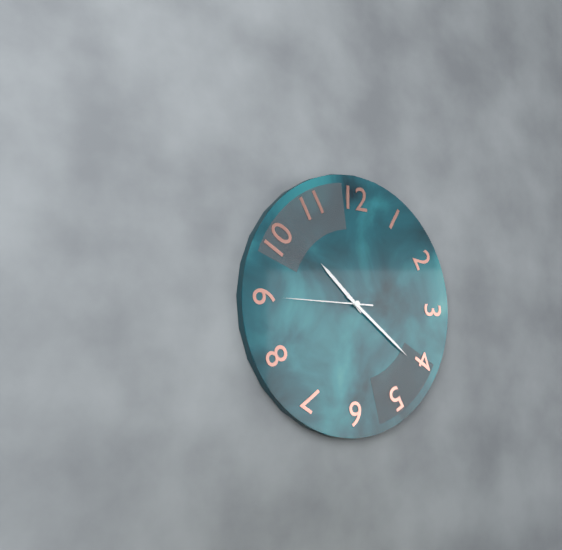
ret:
10.21.45
